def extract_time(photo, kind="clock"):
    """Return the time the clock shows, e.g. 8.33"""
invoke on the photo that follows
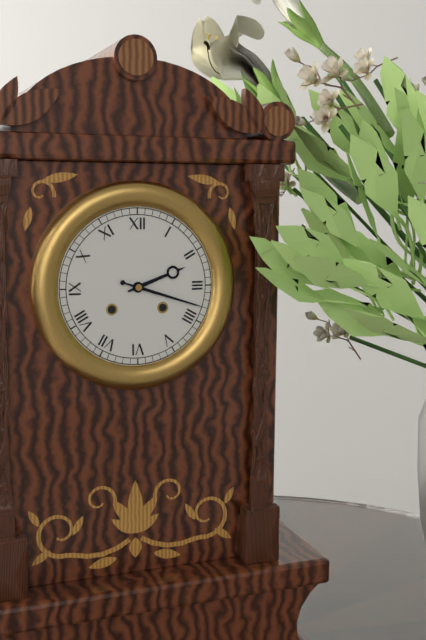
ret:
2.18
